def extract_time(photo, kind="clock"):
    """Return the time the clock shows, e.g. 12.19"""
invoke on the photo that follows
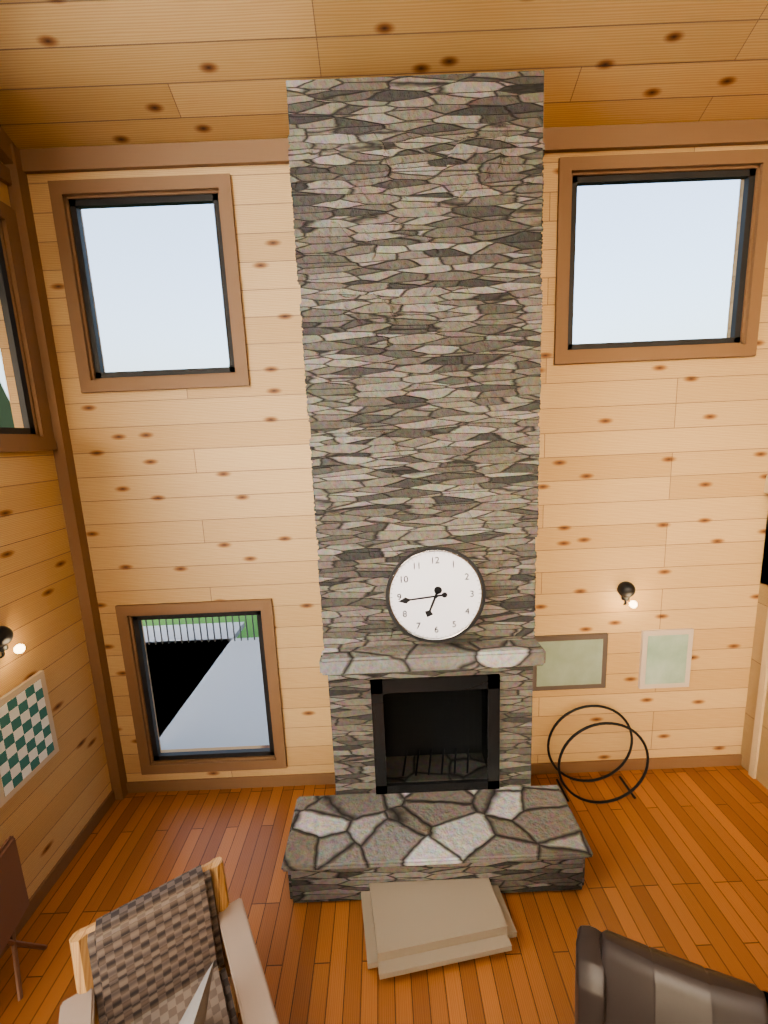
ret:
6.44
